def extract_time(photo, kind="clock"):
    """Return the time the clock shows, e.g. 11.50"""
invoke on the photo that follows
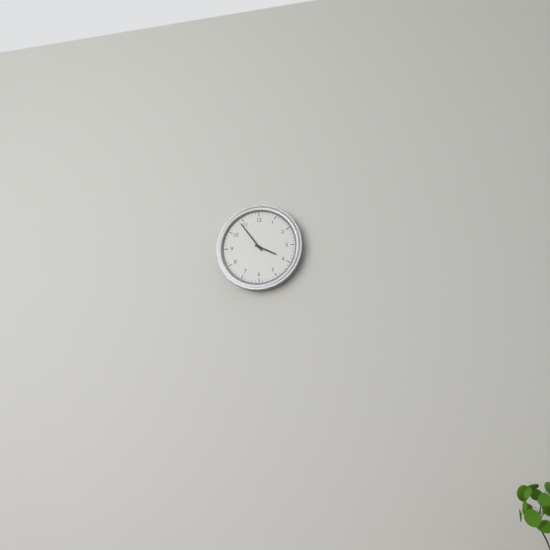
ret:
3.54
